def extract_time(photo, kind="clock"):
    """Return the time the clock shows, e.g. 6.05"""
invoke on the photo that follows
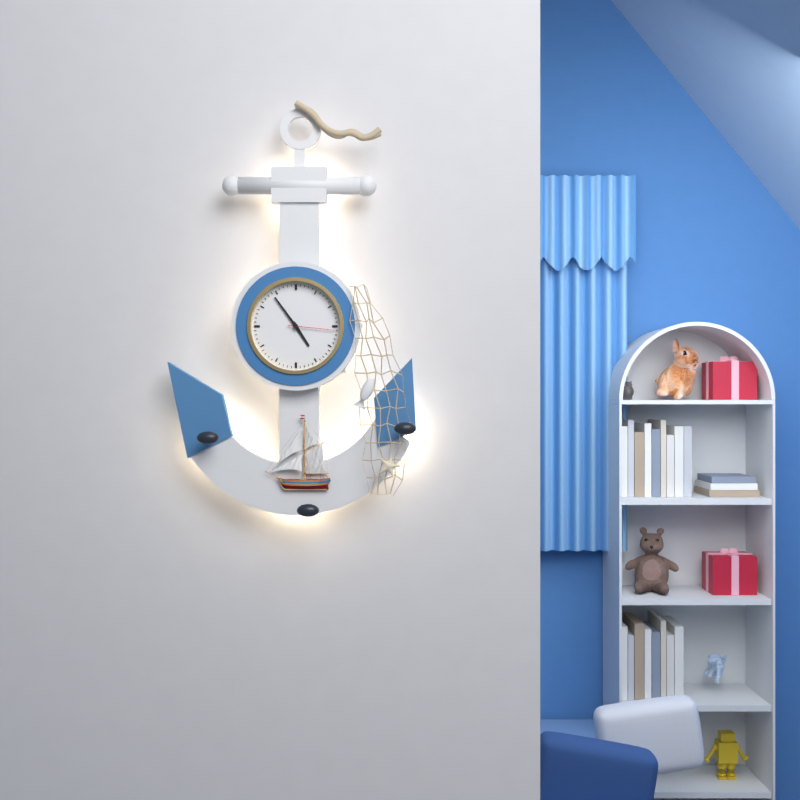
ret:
4.54
